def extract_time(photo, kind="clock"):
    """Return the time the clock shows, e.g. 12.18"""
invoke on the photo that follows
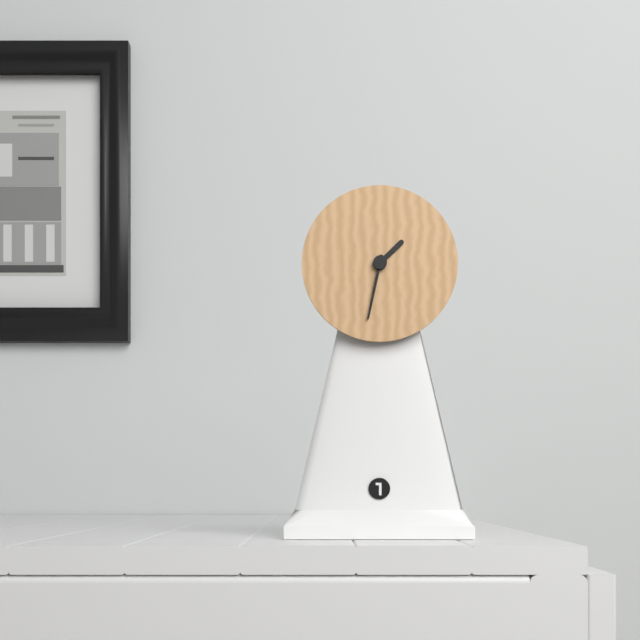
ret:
1.32
